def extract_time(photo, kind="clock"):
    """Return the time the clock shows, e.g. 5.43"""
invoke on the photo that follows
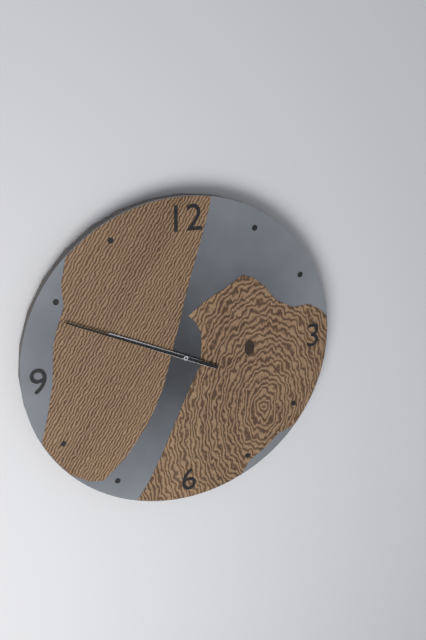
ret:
9.49
